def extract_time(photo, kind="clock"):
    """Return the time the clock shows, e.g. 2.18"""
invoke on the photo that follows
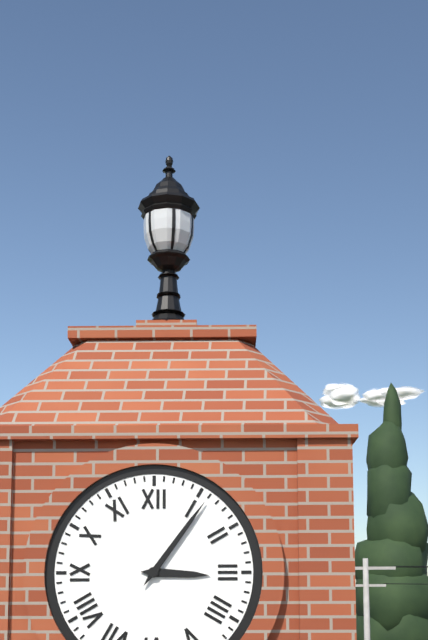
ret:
3.06
